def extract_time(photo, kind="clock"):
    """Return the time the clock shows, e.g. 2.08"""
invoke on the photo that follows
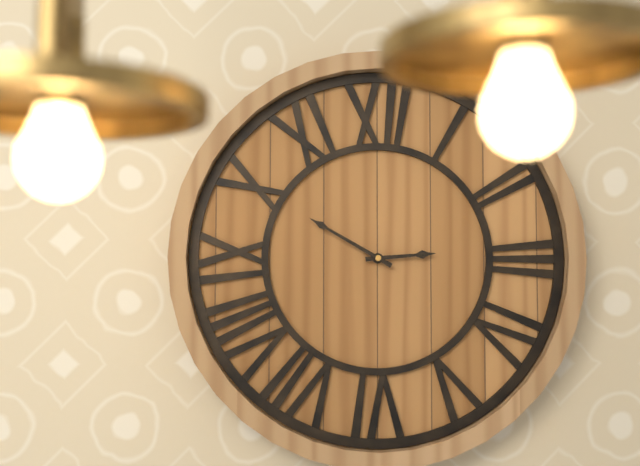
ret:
2.50
